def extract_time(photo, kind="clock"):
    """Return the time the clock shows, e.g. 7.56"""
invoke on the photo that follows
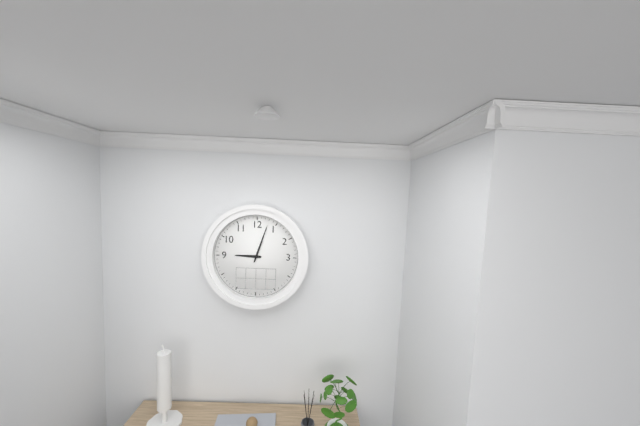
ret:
9.03
